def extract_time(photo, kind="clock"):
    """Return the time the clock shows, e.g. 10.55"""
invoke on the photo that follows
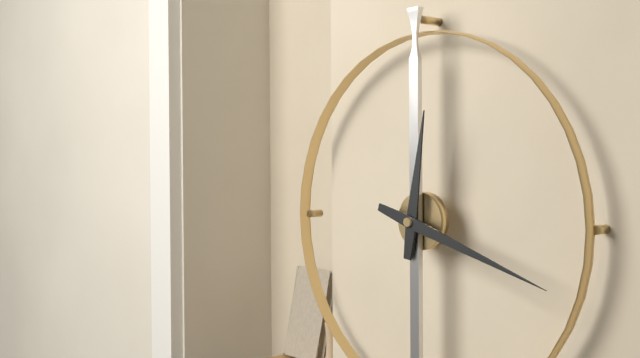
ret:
12.18
